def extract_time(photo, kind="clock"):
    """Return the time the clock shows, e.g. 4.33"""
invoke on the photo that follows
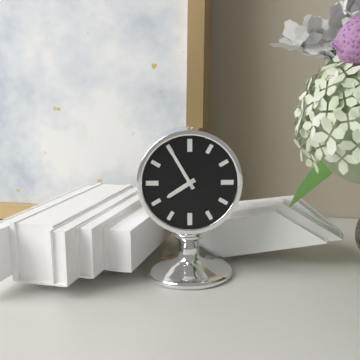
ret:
7.55
